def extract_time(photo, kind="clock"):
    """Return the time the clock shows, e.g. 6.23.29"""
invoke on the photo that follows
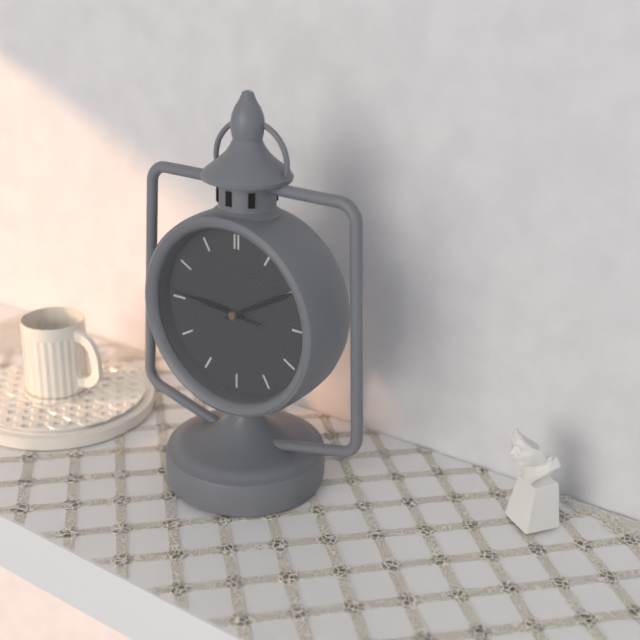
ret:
9.10.46
